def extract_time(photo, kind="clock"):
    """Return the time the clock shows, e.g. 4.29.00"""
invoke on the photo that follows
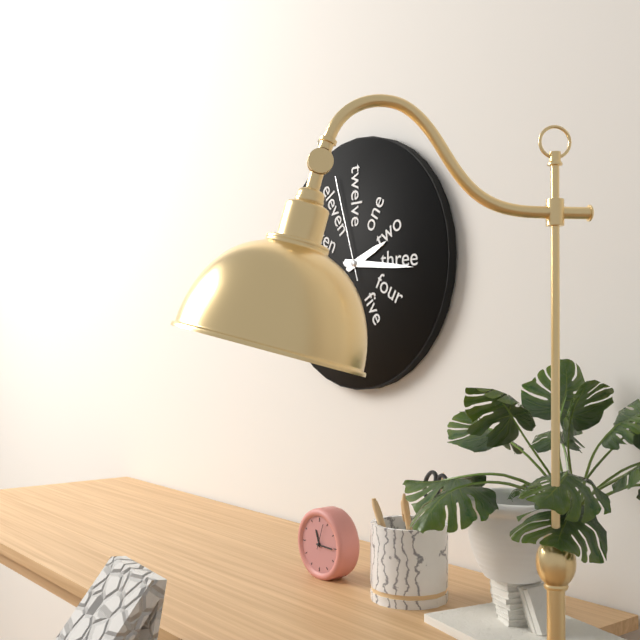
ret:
2.16.57
